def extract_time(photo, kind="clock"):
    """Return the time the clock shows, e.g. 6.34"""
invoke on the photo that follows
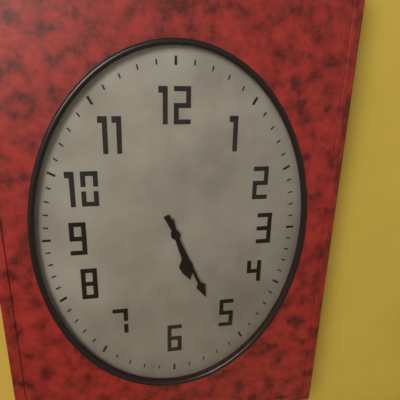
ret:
5.26
